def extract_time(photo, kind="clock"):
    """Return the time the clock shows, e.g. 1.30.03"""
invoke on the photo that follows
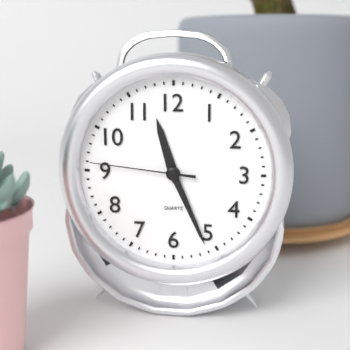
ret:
11.26.46
